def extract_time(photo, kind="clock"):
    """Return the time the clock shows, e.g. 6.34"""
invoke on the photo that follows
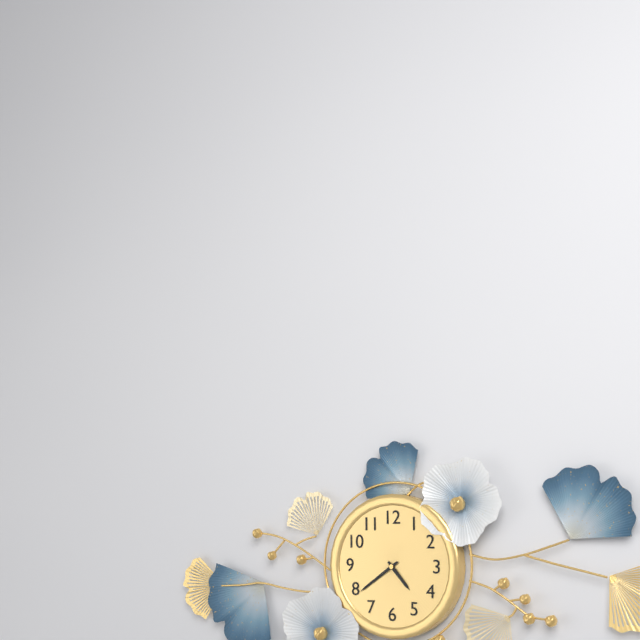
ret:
4.39
